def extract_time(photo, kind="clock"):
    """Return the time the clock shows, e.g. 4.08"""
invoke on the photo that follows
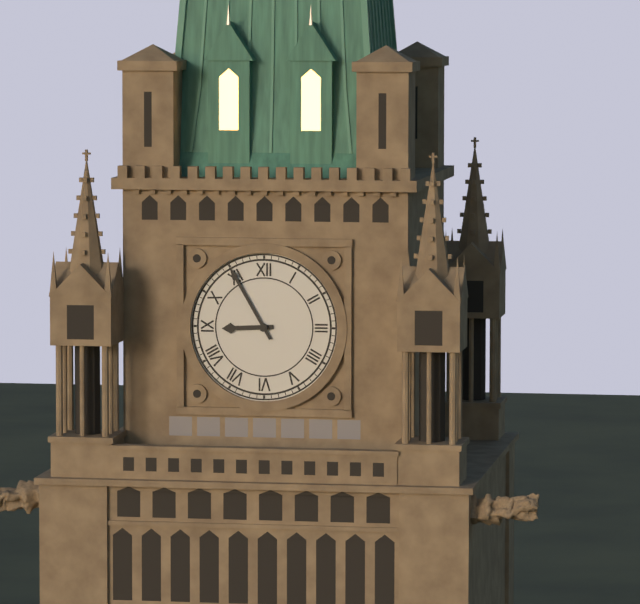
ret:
8.55
